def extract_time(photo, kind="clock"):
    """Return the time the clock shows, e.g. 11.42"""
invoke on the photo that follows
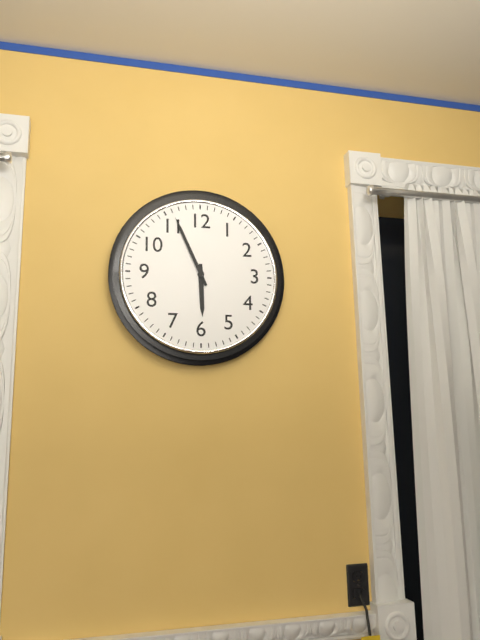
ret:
5.56
